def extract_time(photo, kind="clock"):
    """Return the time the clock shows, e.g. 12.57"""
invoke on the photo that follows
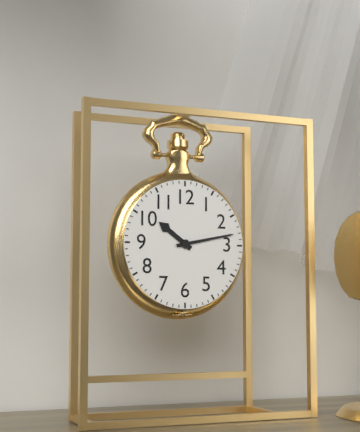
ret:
10.13
